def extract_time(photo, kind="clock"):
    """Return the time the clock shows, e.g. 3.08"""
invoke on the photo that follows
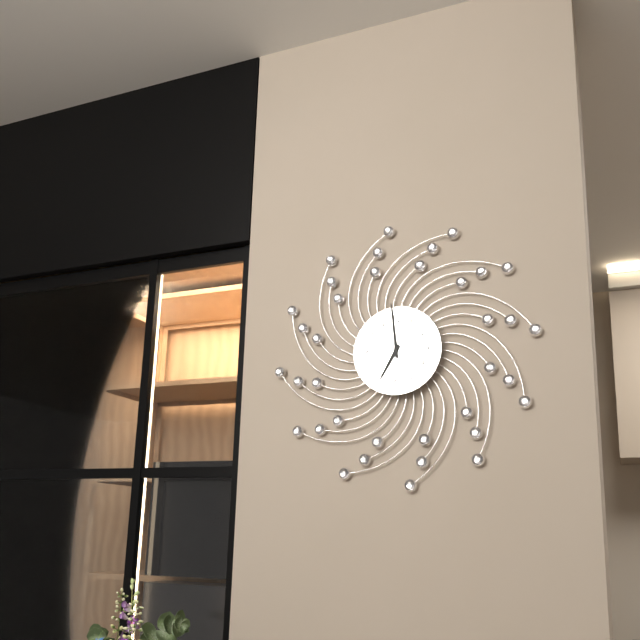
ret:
6.59
